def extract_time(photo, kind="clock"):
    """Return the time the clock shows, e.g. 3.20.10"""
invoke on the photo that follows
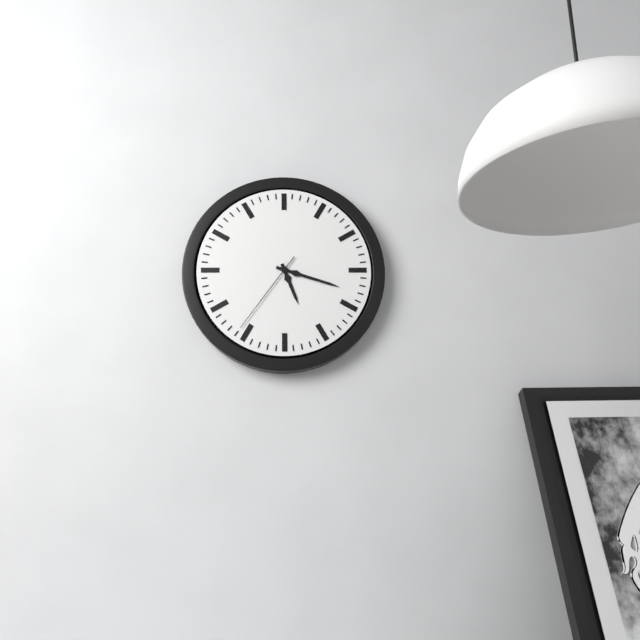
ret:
5.18.36
